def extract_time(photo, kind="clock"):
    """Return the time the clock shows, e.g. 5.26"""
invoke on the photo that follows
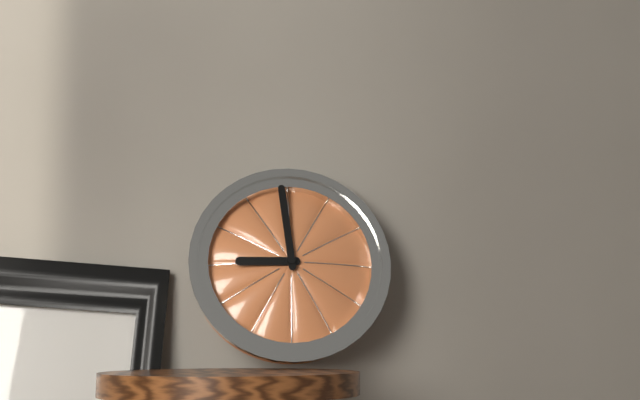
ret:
8.59
